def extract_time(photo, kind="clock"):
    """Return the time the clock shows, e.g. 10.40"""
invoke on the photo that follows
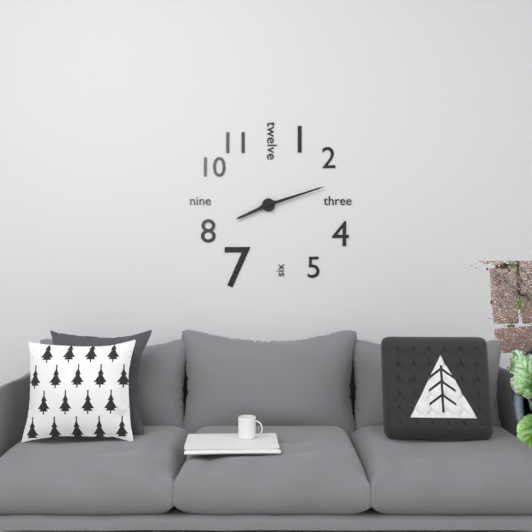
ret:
8.12
